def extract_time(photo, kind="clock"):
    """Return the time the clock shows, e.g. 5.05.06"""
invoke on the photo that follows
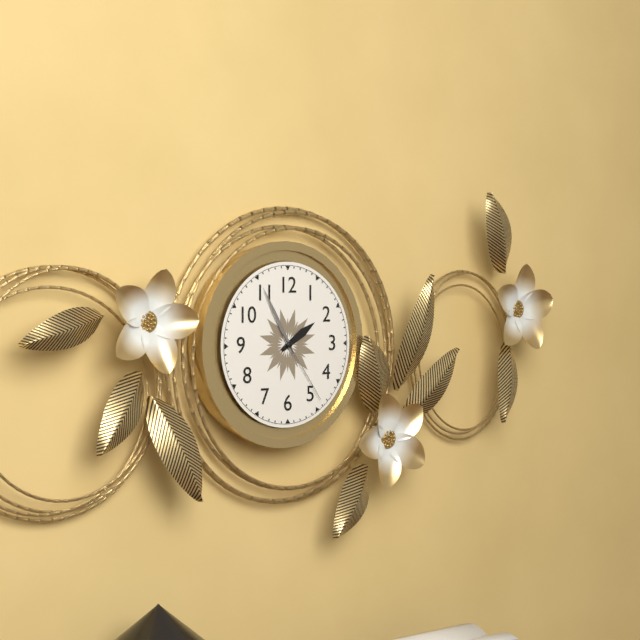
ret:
1.55.24
